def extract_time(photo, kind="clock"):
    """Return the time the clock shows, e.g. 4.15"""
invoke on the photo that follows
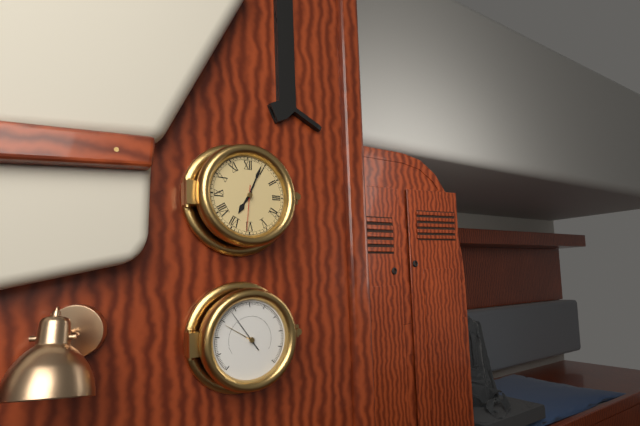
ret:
7.04
